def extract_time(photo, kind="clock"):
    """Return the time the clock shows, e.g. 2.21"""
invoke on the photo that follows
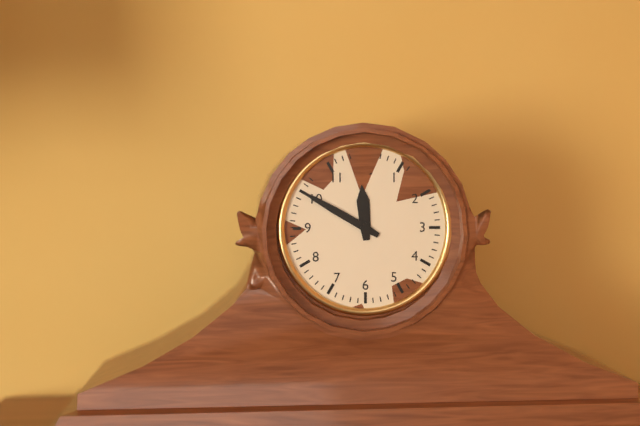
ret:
11.50
